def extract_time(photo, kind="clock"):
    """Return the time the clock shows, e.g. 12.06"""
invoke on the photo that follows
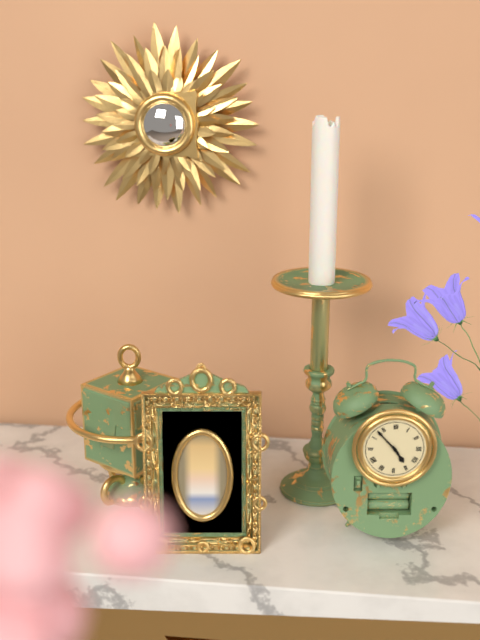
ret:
4.53
